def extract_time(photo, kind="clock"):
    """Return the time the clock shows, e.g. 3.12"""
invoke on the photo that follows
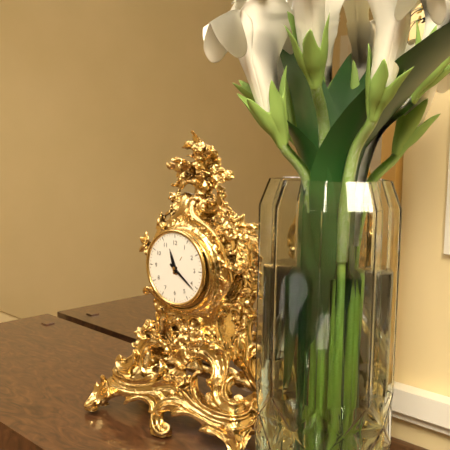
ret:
11.21
